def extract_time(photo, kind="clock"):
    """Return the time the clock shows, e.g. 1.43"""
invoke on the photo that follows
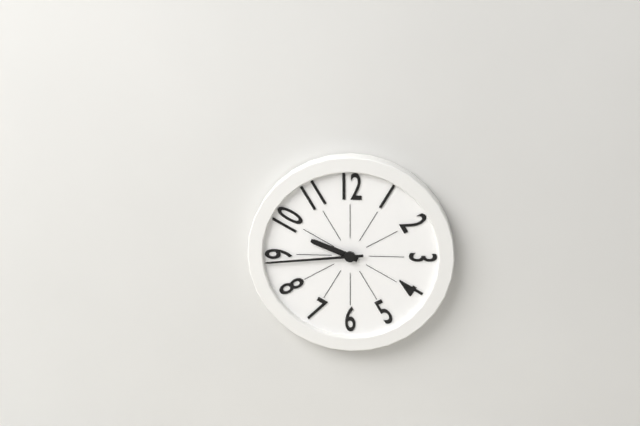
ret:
9.44
